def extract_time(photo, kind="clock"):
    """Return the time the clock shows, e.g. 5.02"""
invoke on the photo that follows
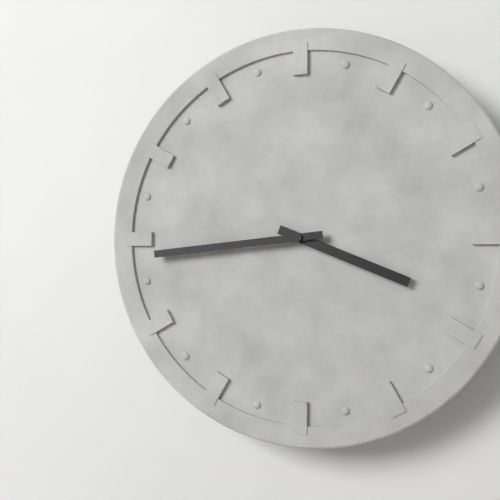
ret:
3.44
